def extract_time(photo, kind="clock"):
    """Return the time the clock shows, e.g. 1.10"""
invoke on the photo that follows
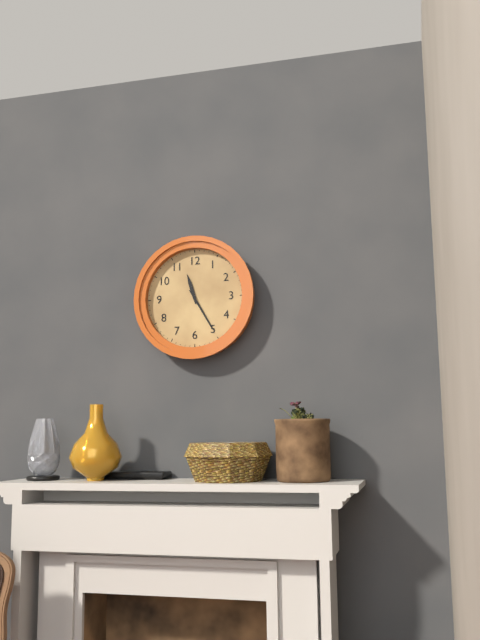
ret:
11.25
